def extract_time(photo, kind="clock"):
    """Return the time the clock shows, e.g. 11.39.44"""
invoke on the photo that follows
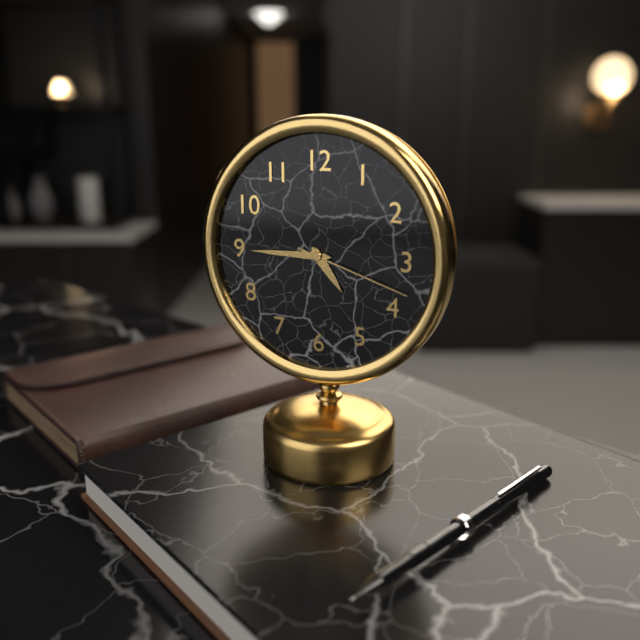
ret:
4.45.18
